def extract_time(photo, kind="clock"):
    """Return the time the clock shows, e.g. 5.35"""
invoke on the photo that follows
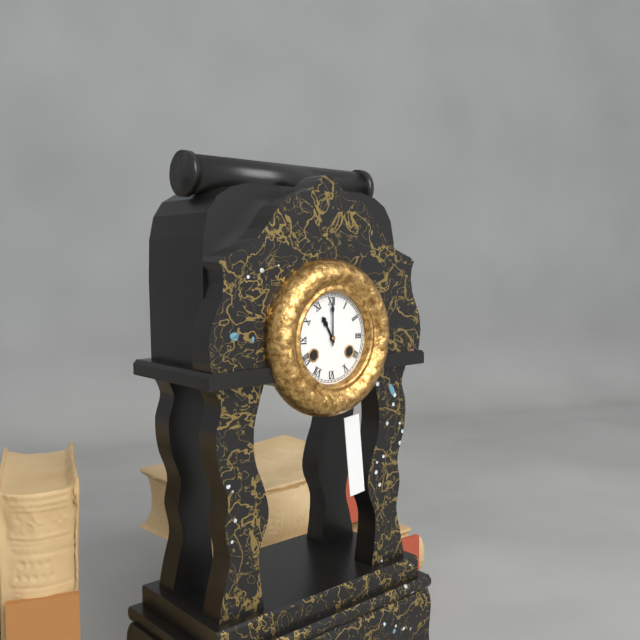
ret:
11.00
